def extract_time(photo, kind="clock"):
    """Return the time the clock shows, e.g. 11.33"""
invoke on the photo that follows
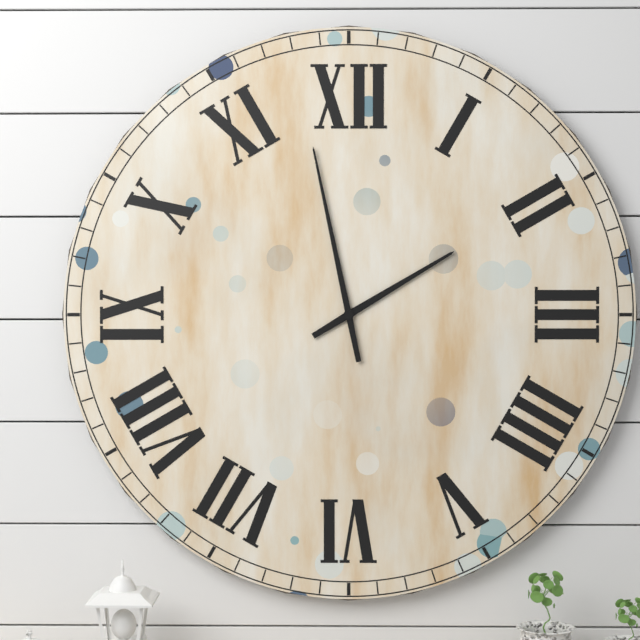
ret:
1.58
